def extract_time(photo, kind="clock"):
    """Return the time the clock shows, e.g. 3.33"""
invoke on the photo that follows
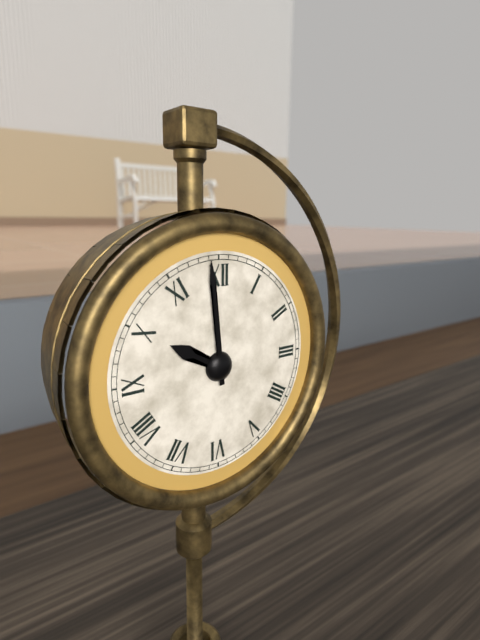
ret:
9.59
